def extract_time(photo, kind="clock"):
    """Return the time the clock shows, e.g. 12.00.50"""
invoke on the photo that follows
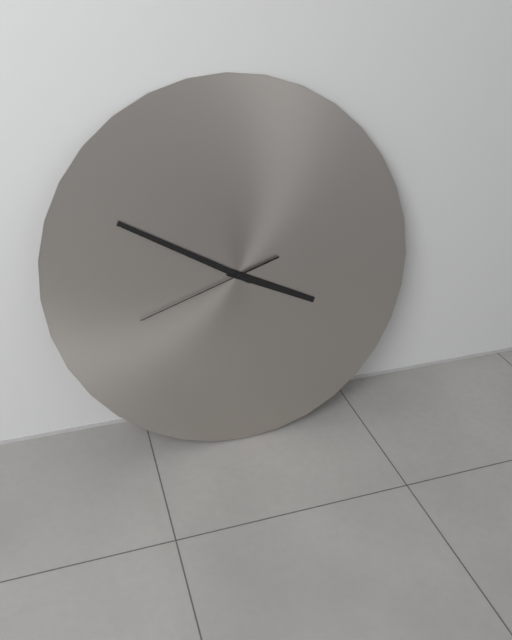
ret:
3.50.42
